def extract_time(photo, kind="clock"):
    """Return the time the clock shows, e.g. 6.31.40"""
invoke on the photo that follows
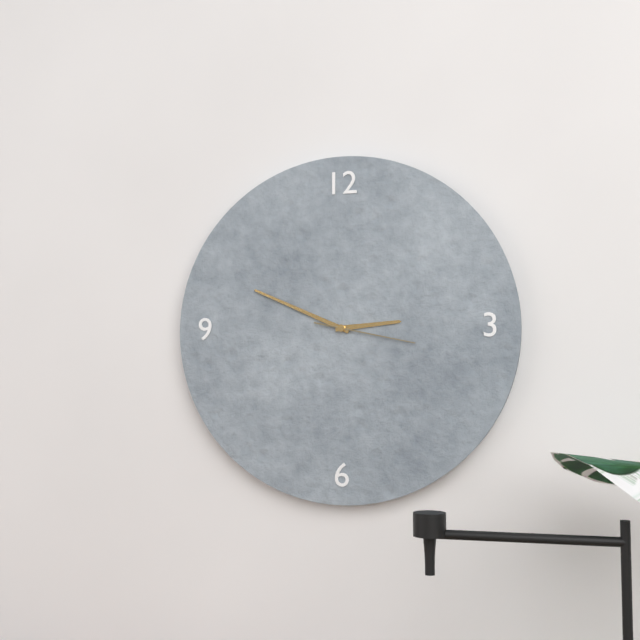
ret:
2.49.17
